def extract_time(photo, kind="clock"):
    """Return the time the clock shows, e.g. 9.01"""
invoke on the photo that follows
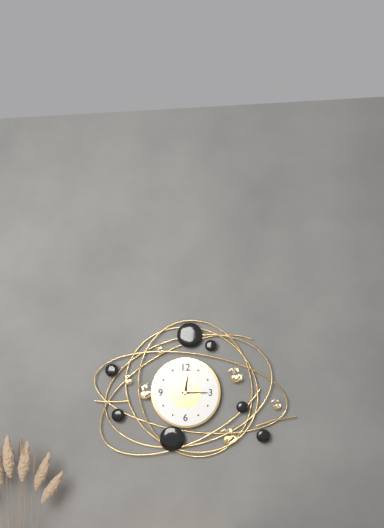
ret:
12.15
